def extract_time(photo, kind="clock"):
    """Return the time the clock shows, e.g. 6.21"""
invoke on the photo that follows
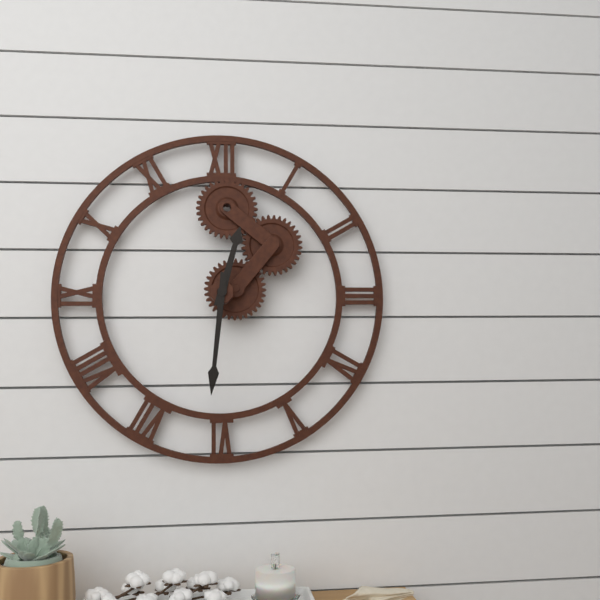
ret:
12.31
